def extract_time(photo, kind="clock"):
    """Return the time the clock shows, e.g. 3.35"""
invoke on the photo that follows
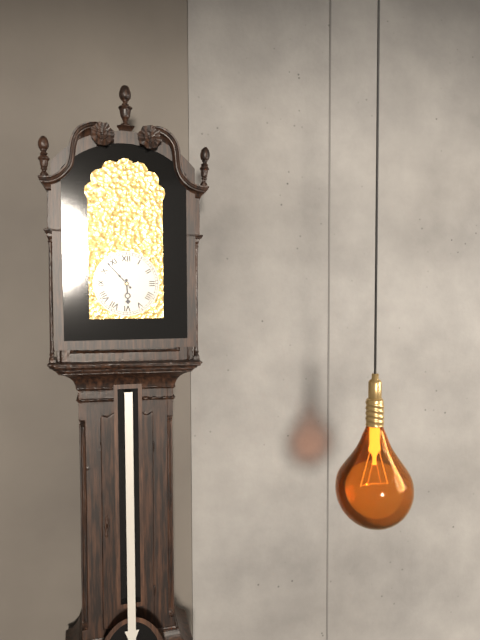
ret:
5.53
